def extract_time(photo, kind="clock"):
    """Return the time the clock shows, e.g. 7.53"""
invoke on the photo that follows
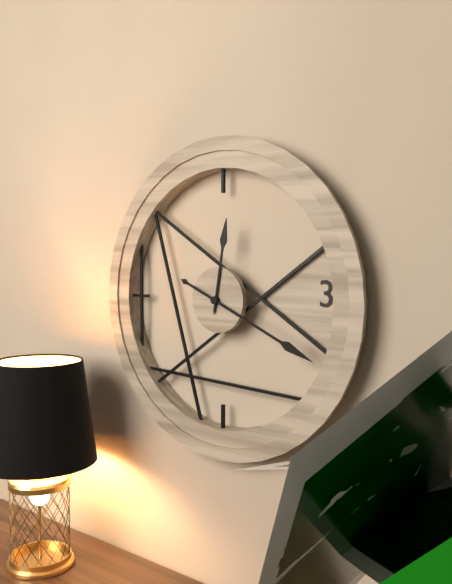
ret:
12.19
